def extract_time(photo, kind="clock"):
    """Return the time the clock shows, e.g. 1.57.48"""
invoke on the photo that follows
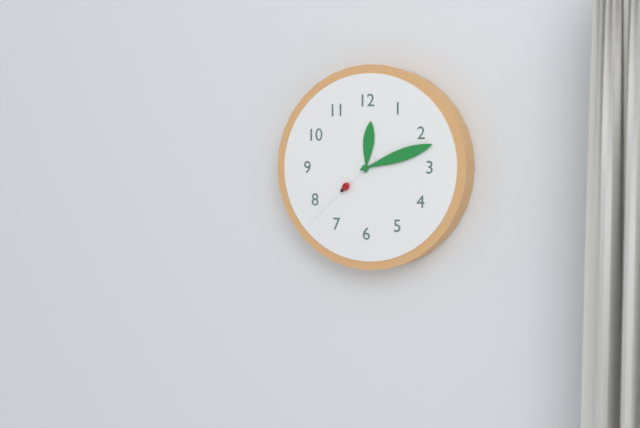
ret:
12.12.38
